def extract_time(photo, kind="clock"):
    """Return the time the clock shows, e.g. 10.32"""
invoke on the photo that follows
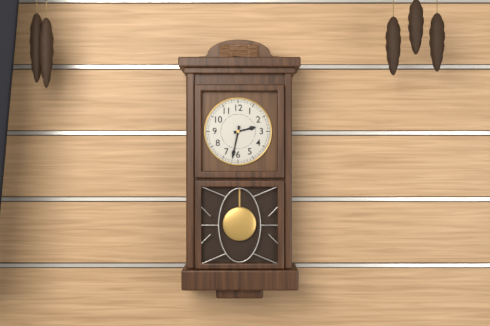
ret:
2.32
